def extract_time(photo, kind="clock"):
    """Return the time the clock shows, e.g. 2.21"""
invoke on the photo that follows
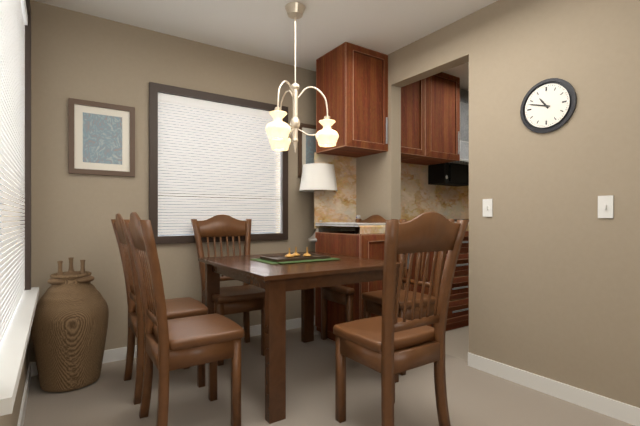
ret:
10.48
